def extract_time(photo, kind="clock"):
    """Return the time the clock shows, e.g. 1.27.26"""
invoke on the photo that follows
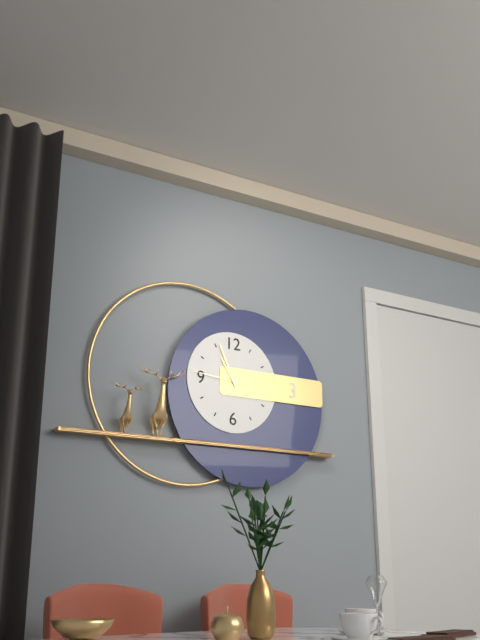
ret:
10.56.46
